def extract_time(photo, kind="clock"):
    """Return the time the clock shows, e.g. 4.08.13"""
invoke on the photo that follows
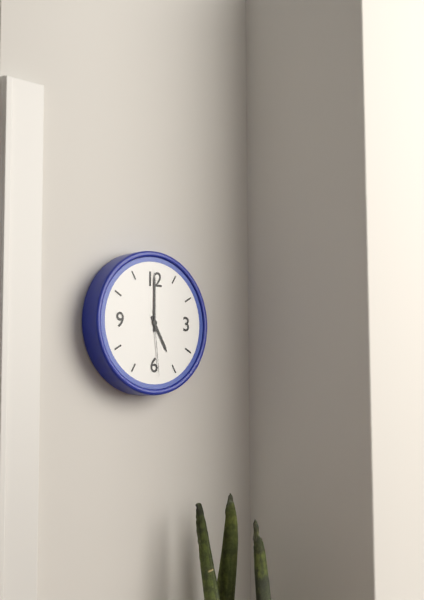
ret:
5.00.29
